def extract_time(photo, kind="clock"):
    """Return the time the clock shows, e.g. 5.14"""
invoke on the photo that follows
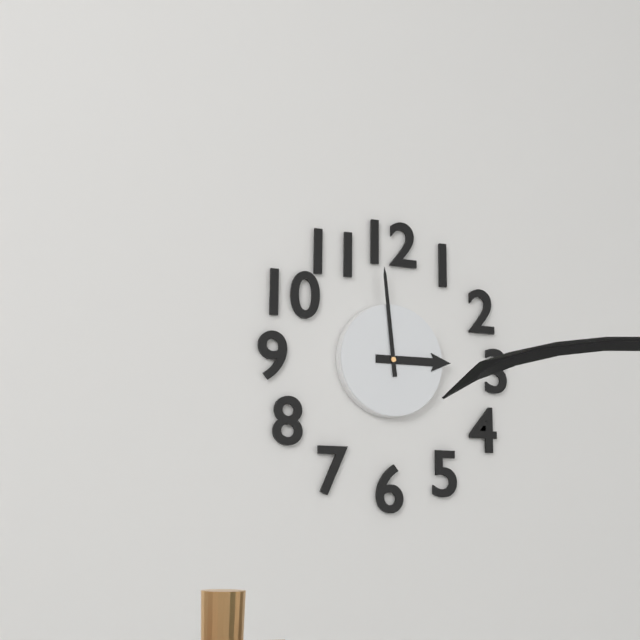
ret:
2.59
